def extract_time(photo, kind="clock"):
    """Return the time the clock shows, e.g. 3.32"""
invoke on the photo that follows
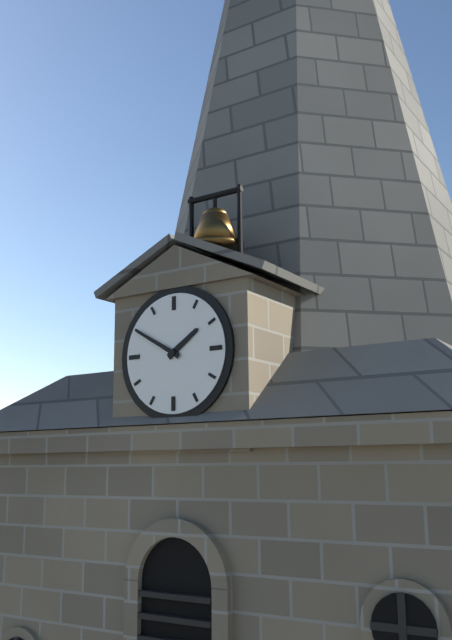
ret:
1.50
